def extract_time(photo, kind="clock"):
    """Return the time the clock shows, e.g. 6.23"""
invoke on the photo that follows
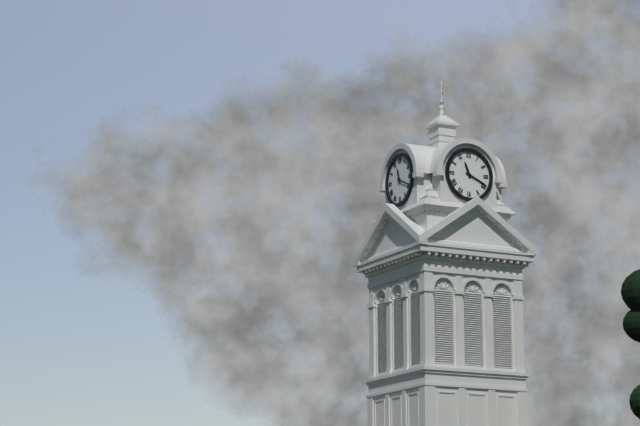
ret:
11.19
